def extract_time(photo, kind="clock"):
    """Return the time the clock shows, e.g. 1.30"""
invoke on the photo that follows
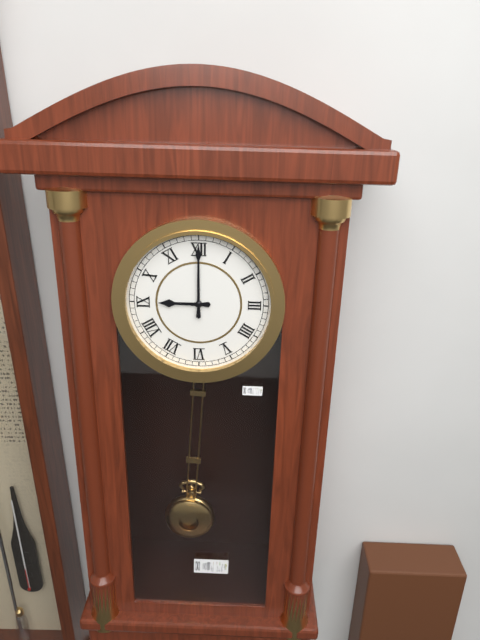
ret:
9.00
